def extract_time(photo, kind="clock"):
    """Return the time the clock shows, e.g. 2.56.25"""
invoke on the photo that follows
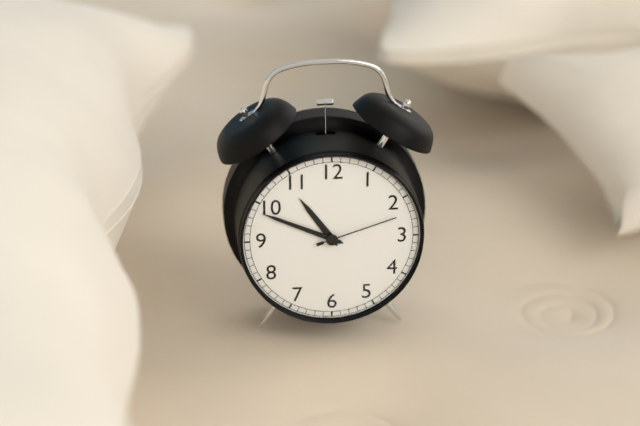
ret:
10.49.12
